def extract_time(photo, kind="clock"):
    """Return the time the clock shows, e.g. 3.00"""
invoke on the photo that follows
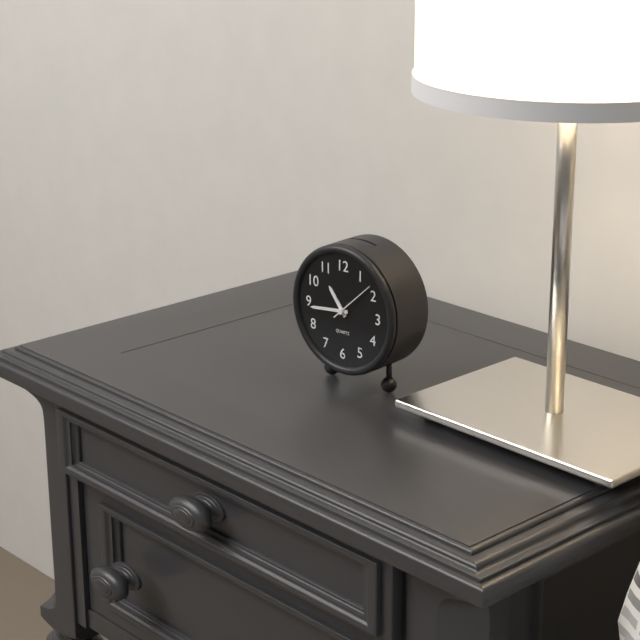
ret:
10.44
